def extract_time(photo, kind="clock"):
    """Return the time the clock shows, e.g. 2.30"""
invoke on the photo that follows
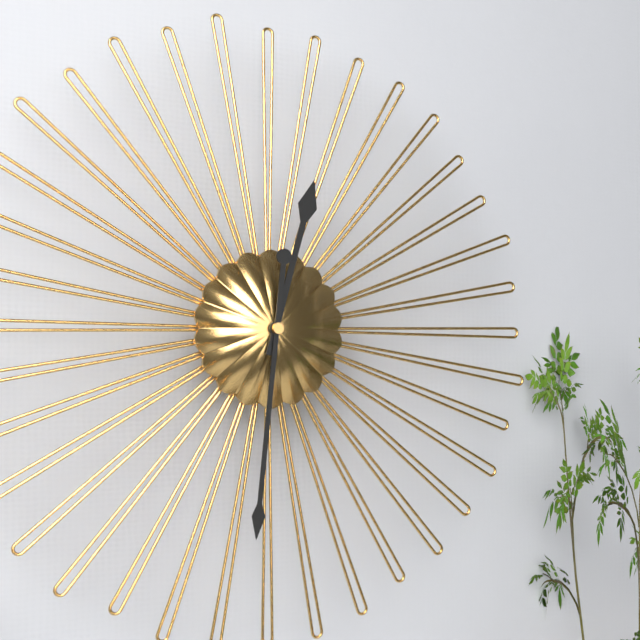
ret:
12.31
